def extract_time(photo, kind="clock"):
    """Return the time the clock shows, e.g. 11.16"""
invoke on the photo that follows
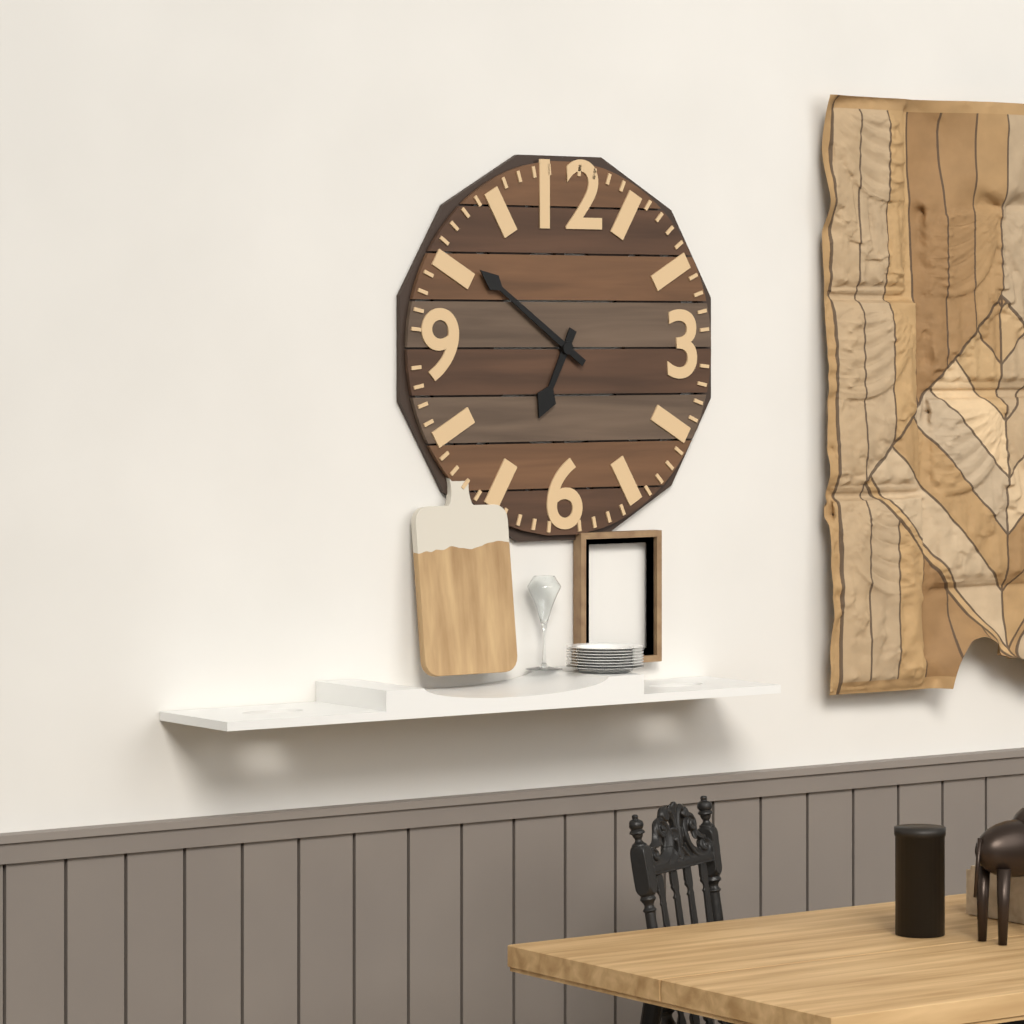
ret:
6.51
